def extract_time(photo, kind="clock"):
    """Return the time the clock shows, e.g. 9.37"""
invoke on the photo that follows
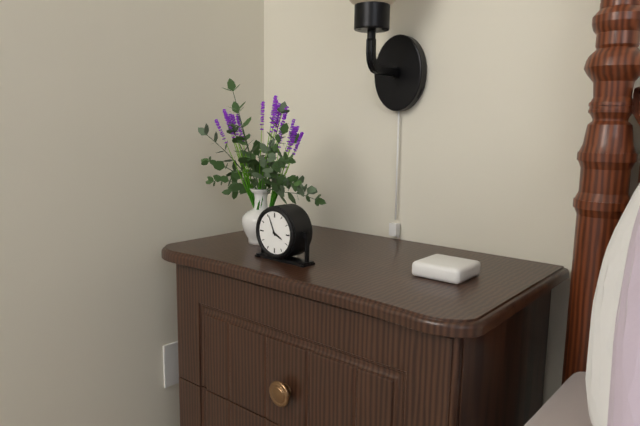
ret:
3.56
